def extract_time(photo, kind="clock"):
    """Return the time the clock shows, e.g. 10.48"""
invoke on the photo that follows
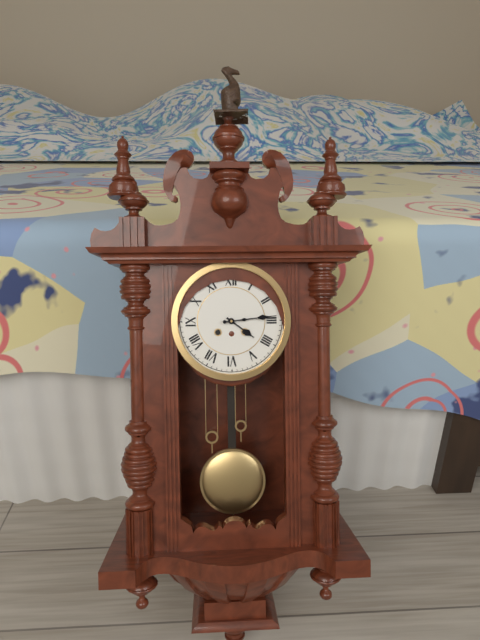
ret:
4.14
